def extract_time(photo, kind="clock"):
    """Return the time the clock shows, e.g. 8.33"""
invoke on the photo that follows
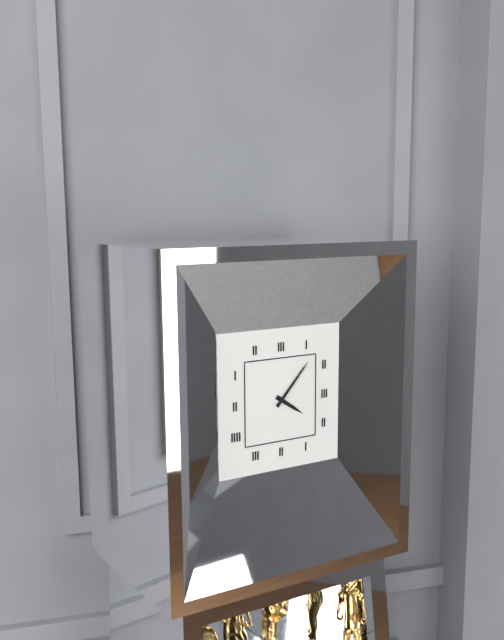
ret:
4.07
